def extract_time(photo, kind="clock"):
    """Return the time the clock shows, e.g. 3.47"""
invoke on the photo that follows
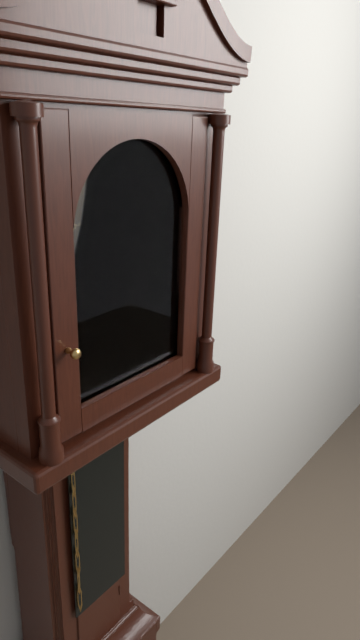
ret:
9.58
